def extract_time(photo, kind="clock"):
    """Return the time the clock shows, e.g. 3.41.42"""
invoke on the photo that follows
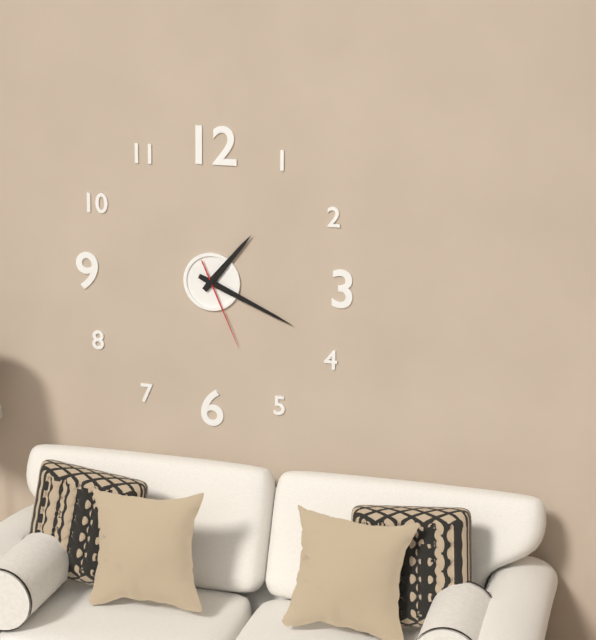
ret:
1.19.26
